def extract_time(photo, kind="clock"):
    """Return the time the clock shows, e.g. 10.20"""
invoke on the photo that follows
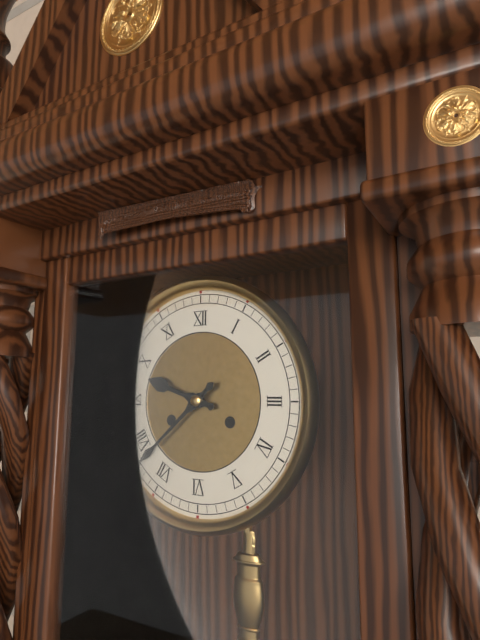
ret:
9.38
